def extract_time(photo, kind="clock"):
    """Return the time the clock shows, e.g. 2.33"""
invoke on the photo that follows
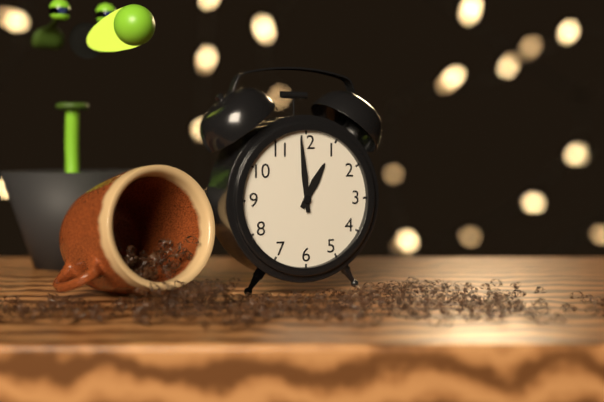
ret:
12.59
